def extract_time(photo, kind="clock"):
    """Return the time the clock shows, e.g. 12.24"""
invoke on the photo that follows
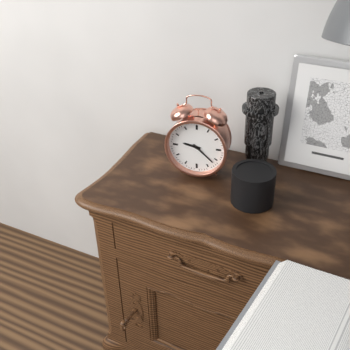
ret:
9.22
